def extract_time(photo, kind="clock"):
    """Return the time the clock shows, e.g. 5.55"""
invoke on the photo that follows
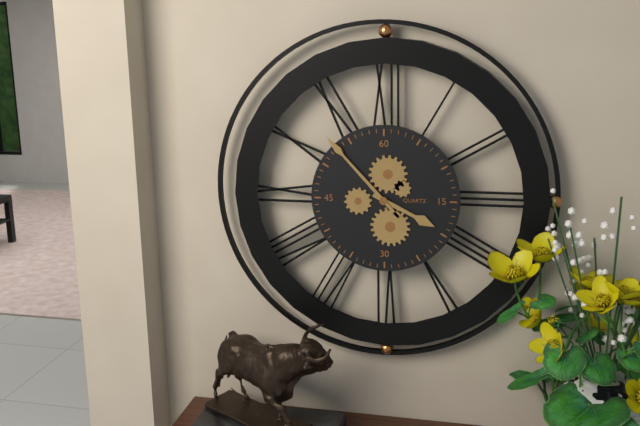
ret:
3.53
